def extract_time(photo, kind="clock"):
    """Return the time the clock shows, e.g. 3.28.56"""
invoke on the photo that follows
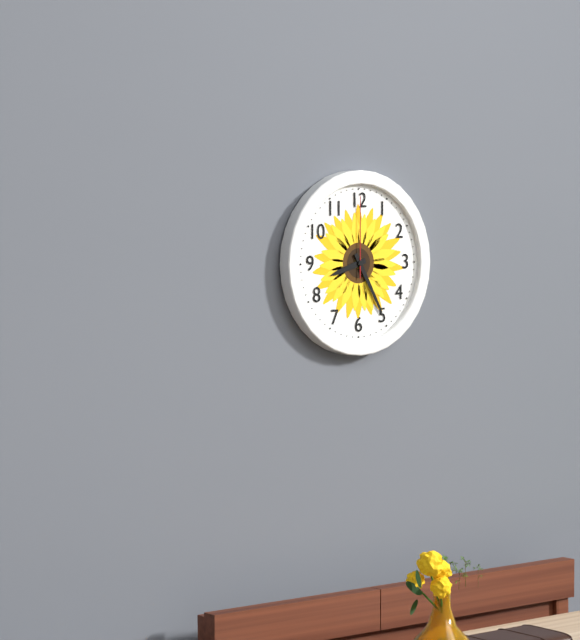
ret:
8.25.00
